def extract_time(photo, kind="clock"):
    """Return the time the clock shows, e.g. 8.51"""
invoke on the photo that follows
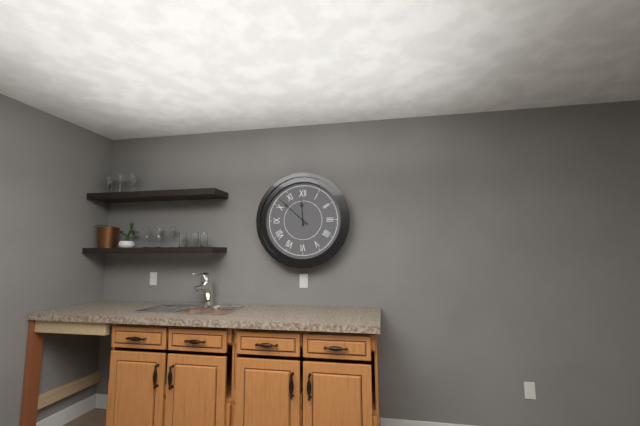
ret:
11.52
